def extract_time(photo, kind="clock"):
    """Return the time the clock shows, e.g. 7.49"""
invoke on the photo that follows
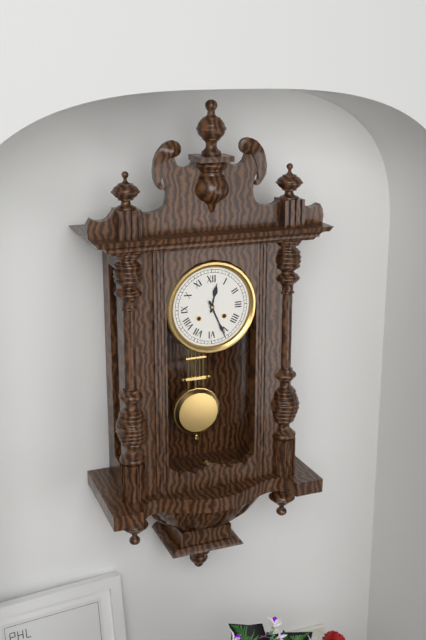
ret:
12.26
